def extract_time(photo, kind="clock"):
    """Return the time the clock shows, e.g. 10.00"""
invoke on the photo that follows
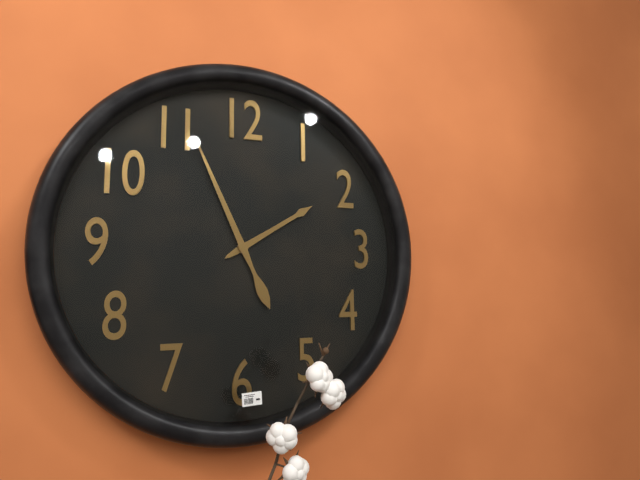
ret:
1.56
